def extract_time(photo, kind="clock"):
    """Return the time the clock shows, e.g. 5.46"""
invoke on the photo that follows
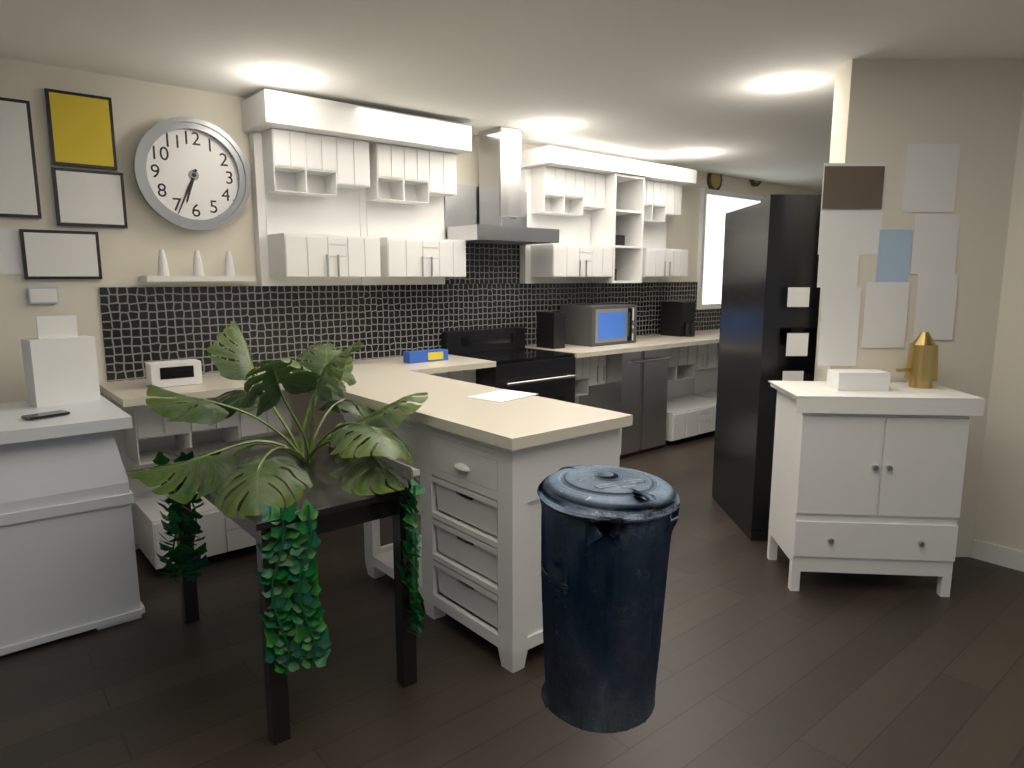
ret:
6.34
